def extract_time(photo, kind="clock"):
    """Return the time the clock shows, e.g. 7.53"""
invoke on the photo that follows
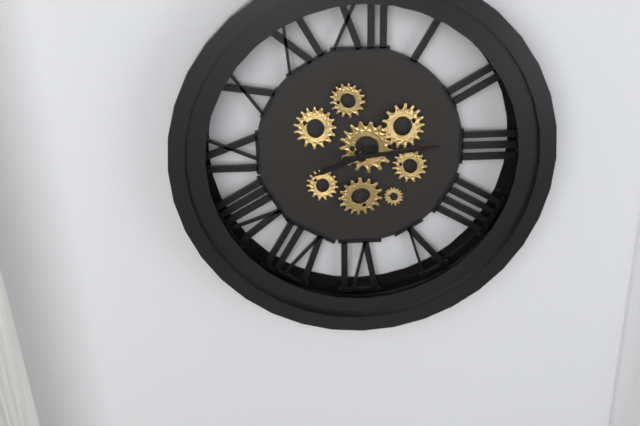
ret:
8.14
